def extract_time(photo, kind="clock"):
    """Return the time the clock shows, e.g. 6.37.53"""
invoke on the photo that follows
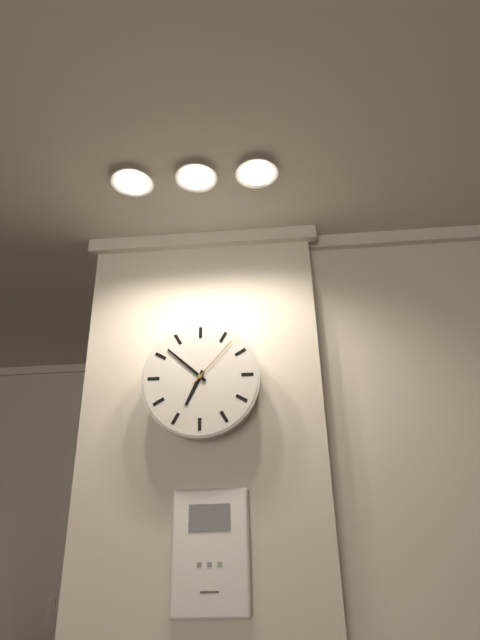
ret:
6.52.07
